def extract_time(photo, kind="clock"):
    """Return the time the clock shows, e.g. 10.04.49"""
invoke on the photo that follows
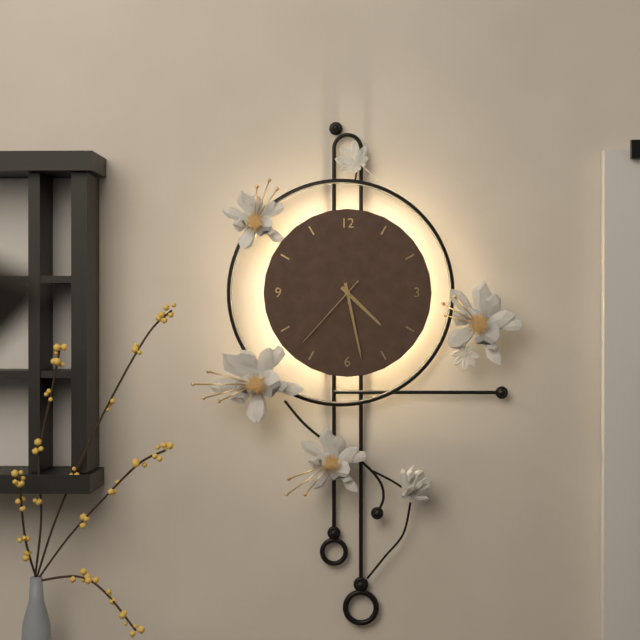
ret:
4.28.37
